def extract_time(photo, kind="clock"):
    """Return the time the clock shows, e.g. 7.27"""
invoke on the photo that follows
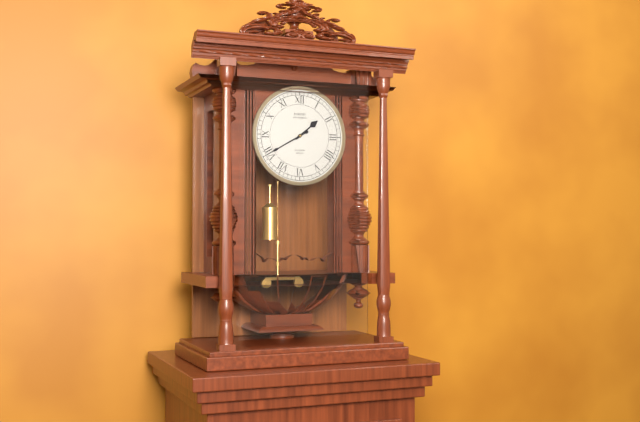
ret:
1.40
